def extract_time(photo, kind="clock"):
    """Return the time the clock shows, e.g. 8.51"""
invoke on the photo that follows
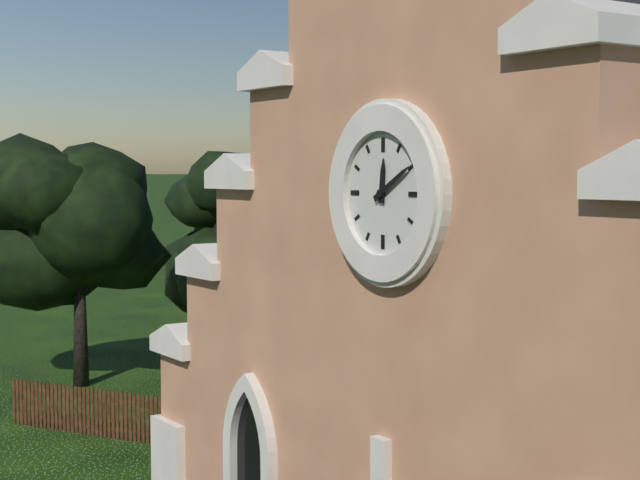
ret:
12.10
